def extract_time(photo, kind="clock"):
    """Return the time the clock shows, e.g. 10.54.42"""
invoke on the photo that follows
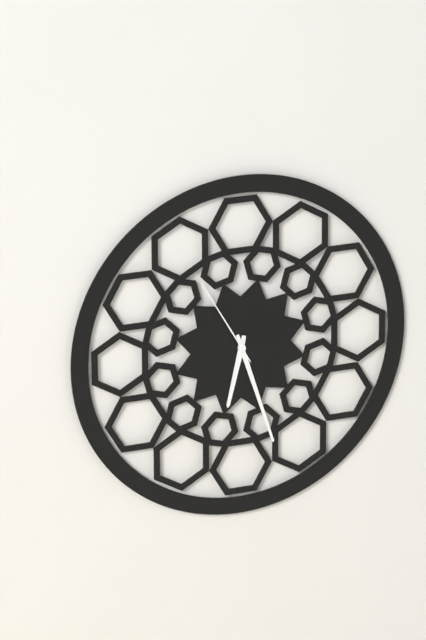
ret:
6.27.55
